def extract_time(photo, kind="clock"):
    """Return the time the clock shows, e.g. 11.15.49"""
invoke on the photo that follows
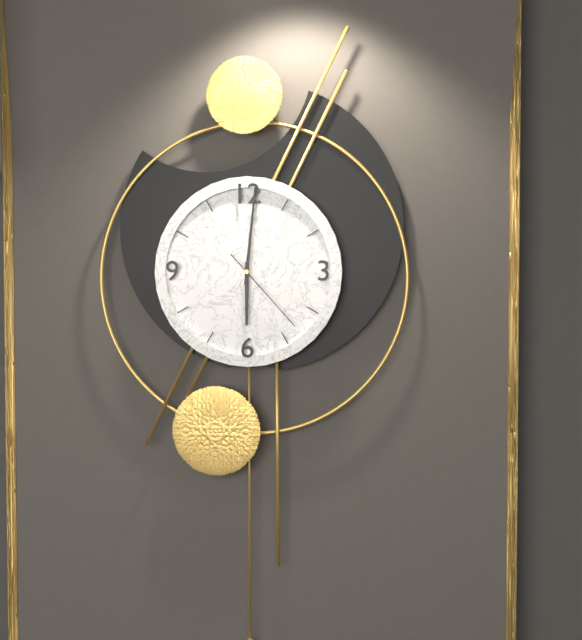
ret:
6.01.23
